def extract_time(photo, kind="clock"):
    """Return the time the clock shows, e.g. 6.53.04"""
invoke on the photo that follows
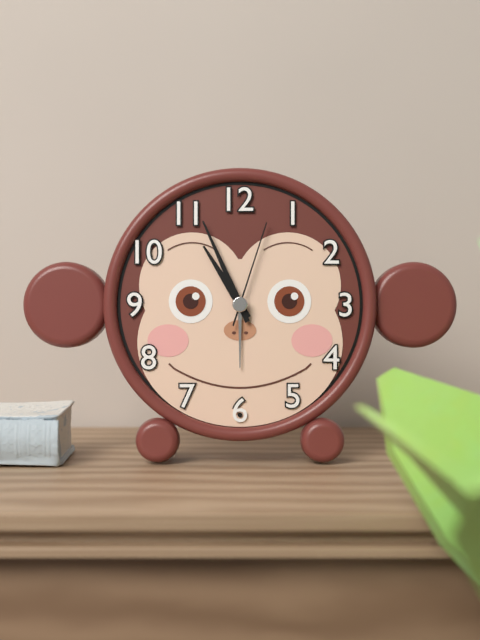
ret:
10.56.03
